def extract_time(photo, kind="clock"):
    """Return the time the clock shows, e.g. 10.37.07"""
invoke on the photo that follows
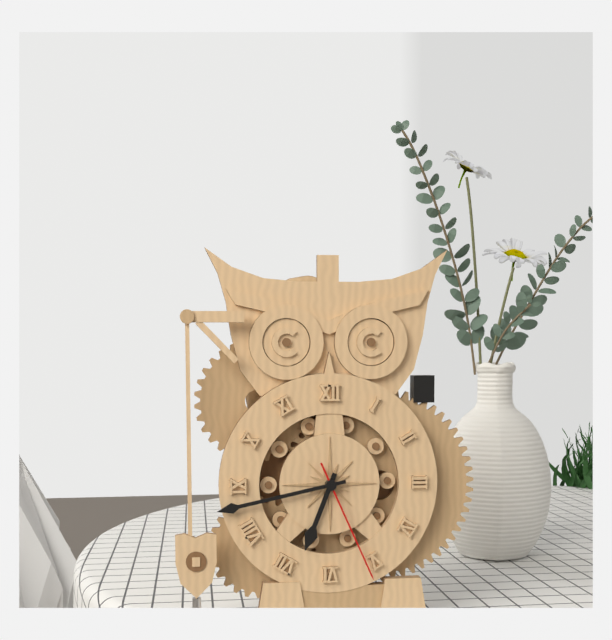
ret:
6.43.26
